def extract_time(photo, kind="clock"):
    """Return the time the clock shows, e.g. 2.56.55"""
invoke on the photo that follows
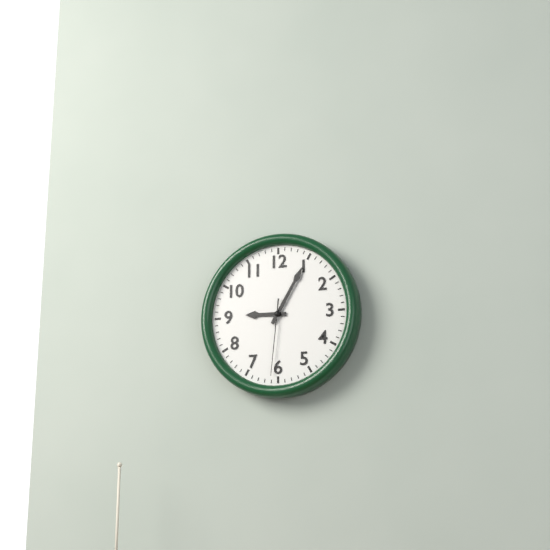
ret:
9.05.31
